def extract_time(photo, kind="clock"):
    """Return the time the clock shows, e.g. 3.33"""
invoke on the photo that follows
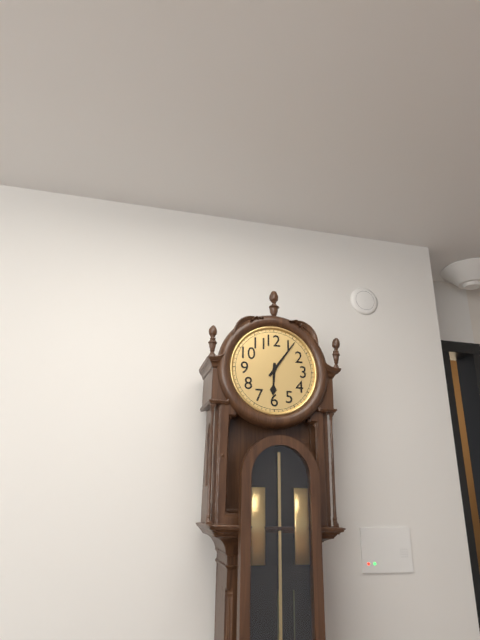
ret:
6.06
